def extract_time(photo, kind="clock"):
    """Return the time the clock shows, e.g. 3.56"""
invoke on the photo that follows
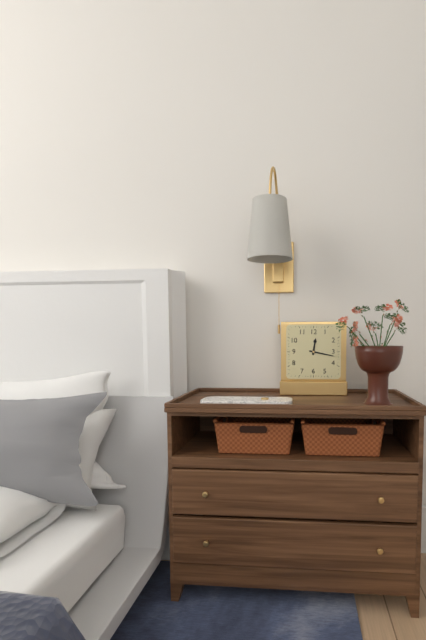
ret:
12.17
